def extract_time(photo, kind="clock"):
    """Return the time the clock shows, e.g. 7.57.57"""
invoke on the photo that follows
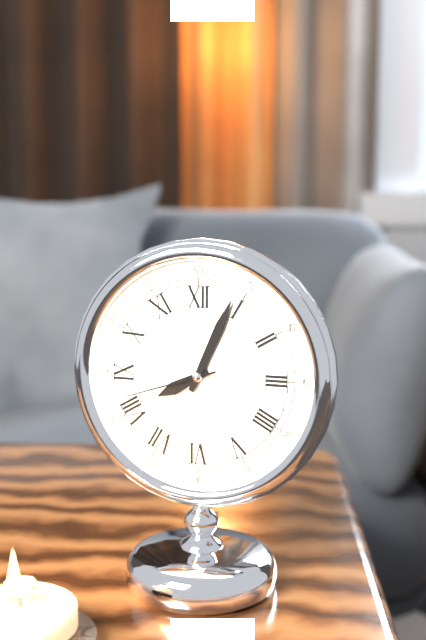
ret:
8.04.42
